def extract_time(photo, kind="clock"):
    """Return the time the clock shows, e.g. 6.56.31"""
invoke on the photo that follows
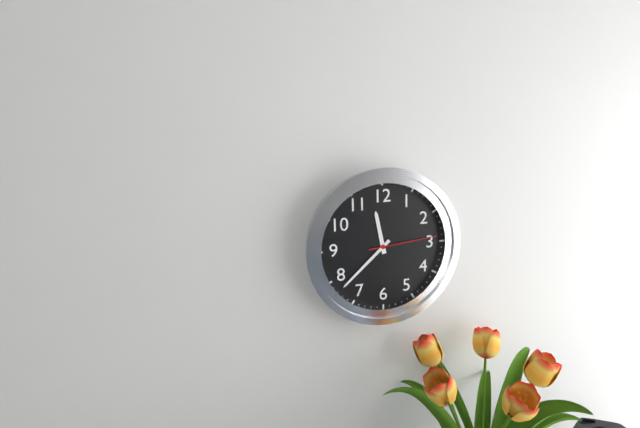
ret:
11.38.14
